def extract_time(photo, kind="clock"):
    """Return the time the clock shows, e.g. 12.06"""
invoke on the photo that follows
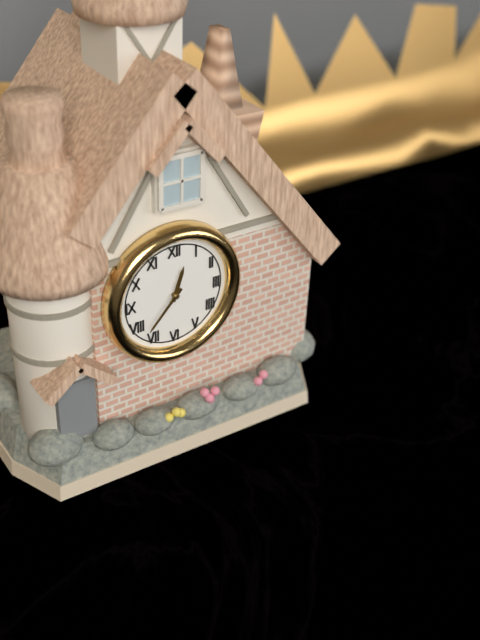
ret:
12.37
